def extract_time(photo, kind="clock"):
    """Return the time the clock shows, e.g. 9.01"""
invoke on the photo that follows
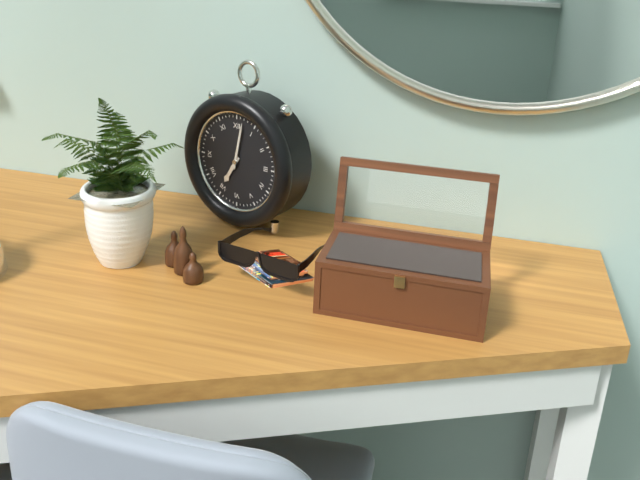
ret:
7.02
